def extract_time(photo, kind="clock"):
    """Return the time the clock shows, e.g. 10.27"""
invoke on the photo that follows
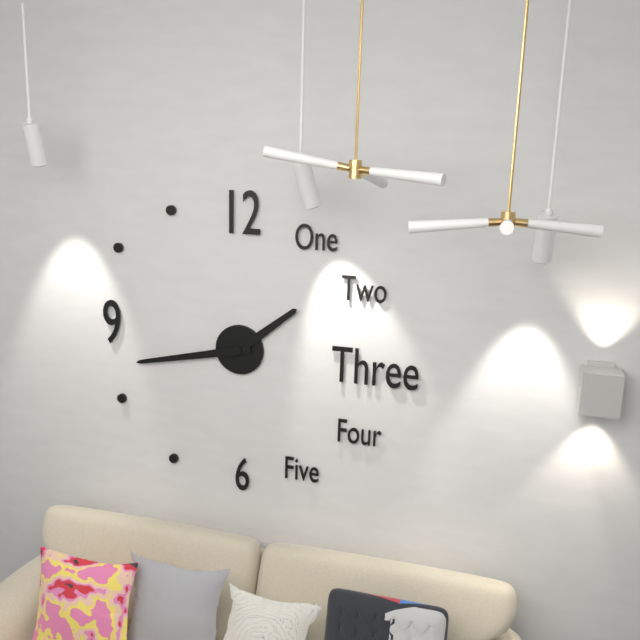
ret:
1.43
